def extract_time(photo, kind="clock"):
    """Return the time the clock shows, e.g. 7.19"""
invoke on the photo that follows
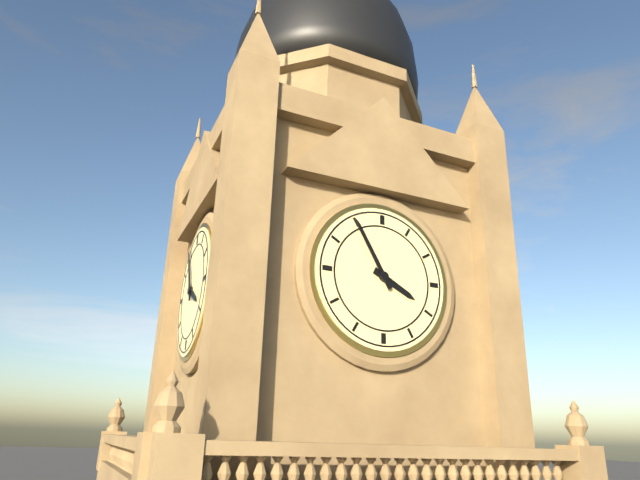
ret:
3.55
